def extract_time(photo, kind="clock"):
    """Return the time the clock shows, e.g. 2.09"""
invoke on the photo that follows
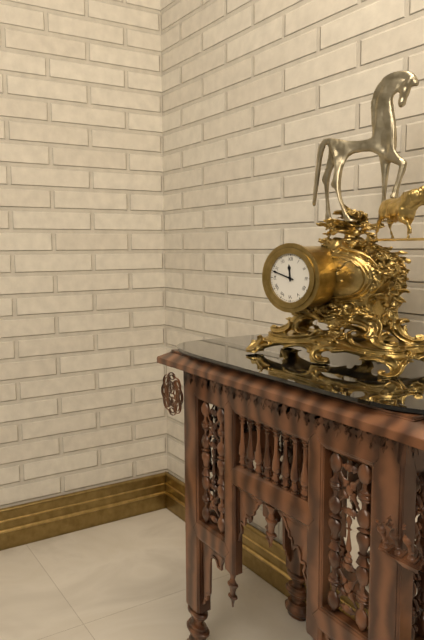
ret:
11.48
